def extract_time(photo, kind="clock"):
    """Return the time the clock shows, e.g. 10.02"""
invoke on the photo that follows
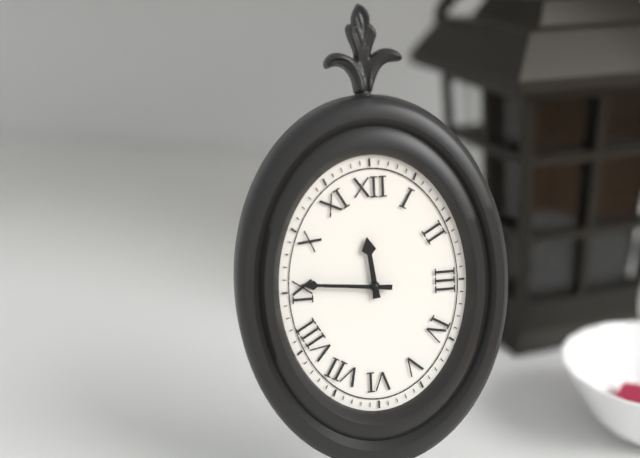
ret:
11.46
